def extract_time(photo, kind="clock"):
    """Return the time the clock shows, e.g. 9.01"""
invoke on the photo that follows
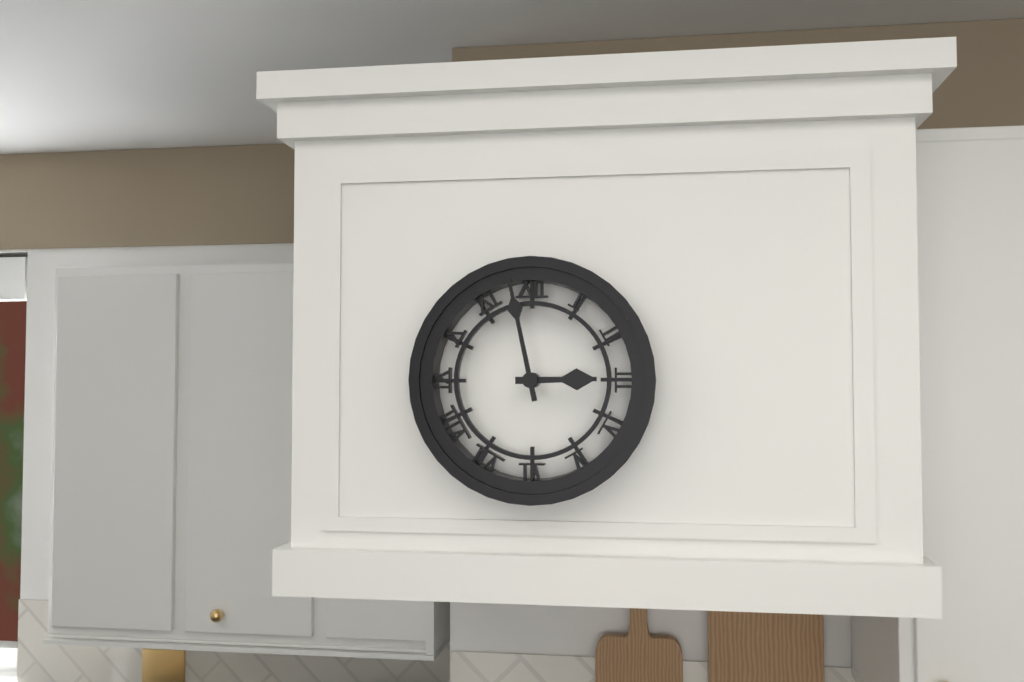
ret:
2.58
